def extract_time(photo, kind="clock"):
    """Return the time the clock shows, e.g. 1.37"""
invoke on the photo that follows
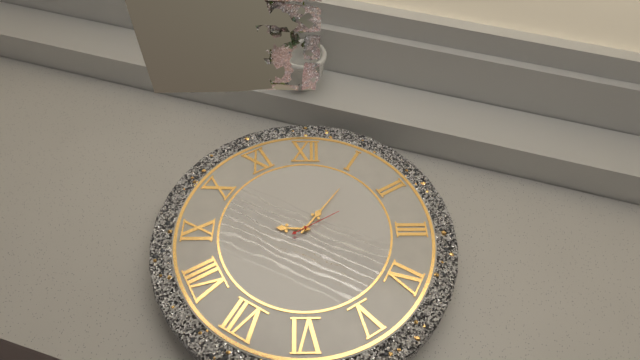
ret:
9.06
